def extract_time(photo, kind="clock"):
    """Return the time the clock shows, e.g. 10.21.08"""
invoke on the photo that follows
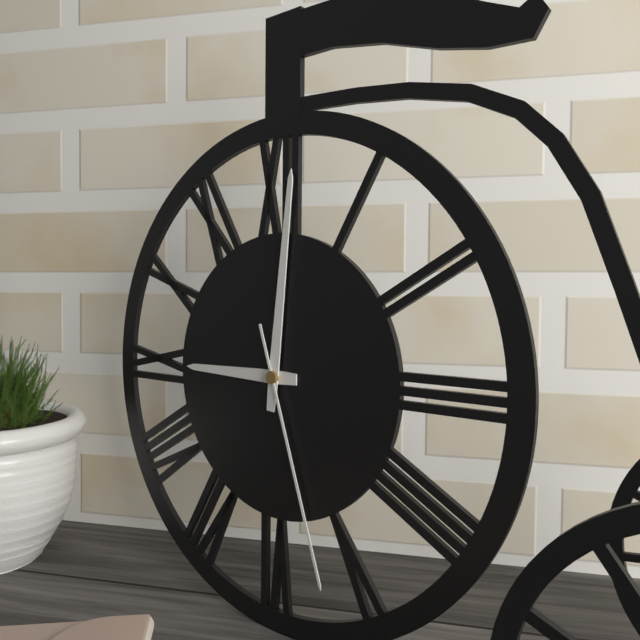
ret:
9.01.27
